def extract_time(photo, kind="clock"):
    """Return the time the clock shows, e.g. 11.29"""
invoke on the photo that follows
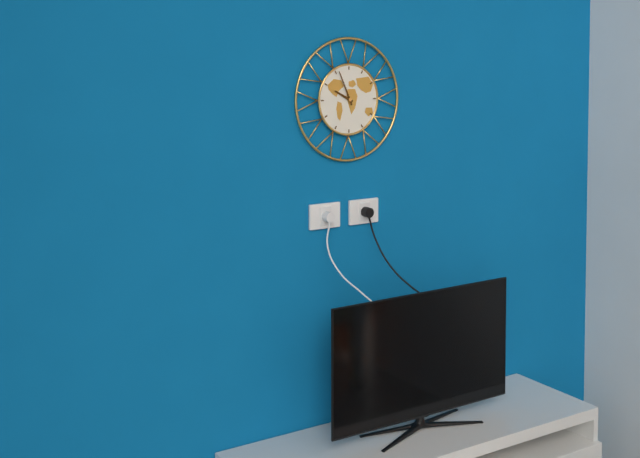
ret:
9.56
